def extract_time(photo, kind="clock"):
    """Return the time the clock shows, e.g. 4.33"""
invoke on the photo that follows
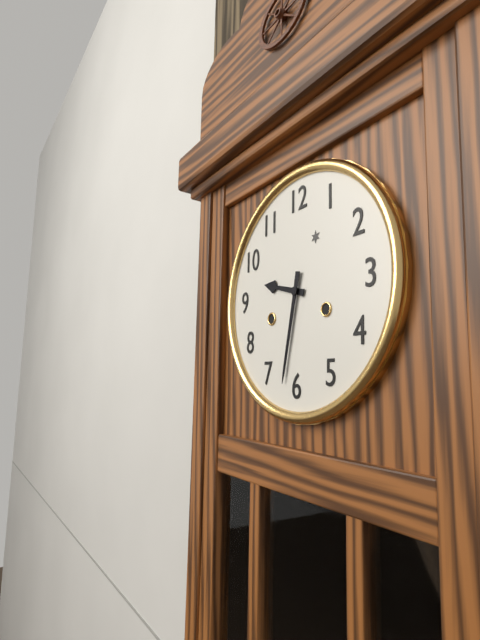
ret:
9.32
